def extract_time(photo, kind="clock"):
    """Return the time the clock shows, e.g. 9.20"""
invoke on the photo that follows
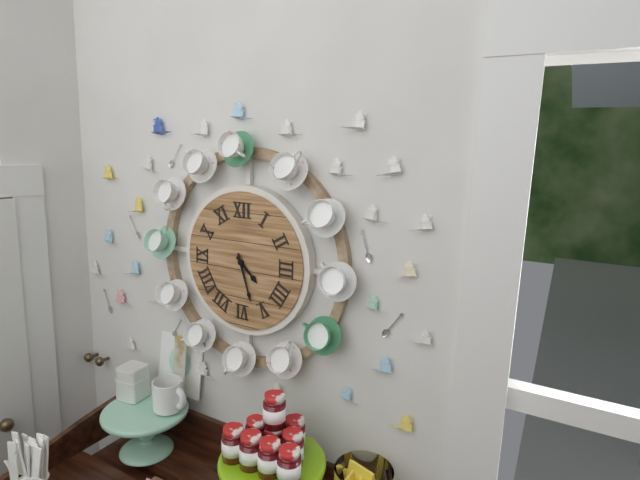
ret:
4.27
